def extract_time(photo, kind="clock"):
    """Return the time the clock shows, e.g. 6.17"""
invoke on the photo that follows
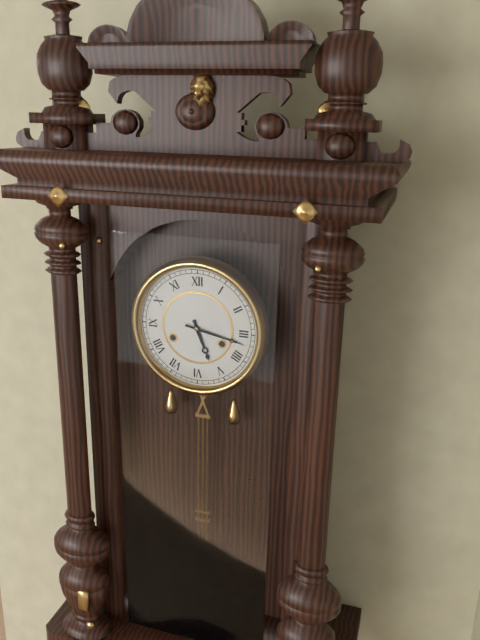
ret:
5.17
